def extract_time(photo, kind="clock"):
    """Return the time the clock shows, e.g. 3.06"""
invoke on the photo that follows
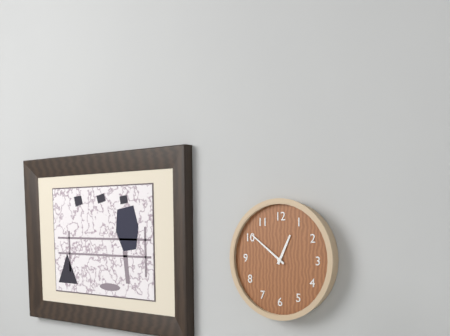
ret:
12.51
